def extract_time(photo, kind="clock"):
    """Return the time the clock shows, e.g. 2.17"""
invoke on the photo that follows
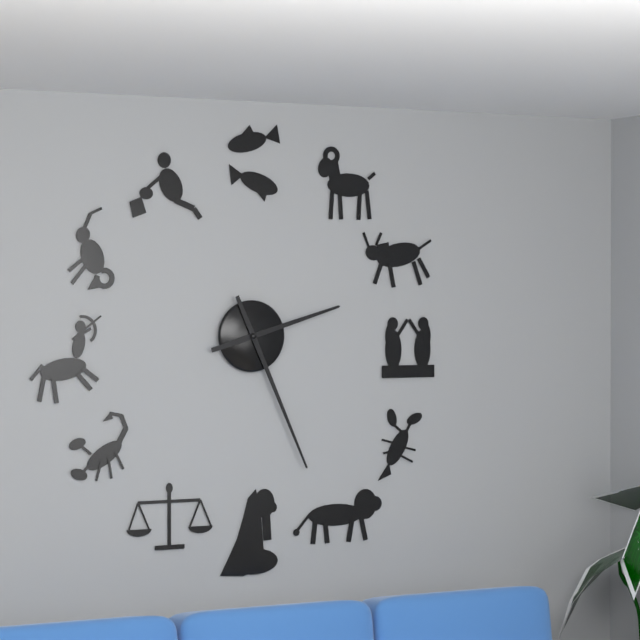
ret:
2.26
